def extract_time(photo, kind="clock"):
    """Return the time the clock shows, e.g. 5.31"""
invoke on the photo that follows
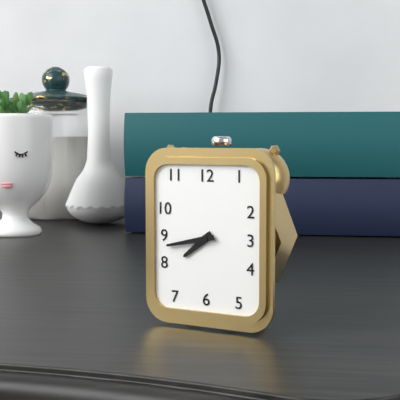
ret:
7.43
